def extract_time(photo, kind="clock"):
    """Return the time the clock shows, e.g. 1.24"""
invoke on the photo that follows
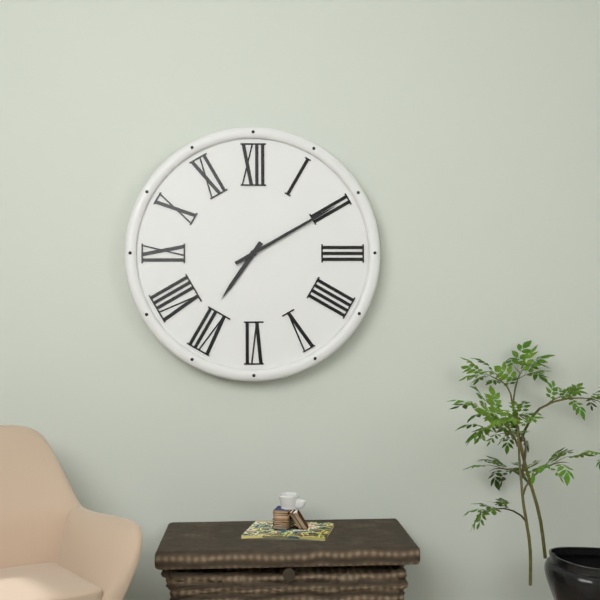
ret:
7.10
